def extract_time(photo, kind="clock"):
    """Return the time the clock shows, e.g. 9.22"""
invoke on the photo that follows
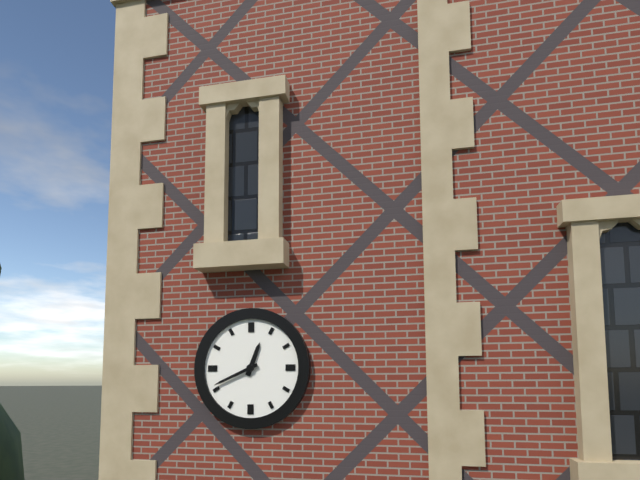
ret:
12.41
